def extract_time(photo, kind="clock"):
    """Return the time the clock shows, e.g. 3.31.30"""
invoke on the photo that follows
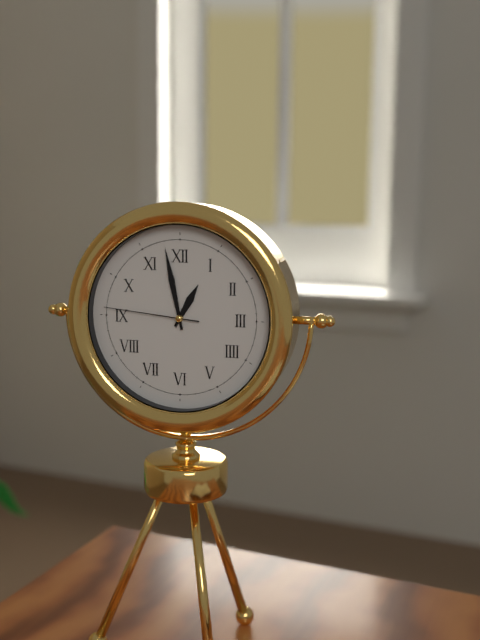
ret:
12.58.46
